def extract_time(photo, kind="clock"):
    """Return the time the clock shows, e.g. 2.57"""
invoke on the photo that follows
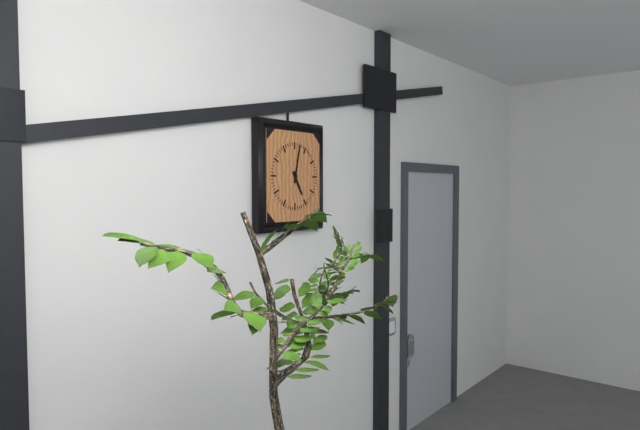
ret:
5.02
